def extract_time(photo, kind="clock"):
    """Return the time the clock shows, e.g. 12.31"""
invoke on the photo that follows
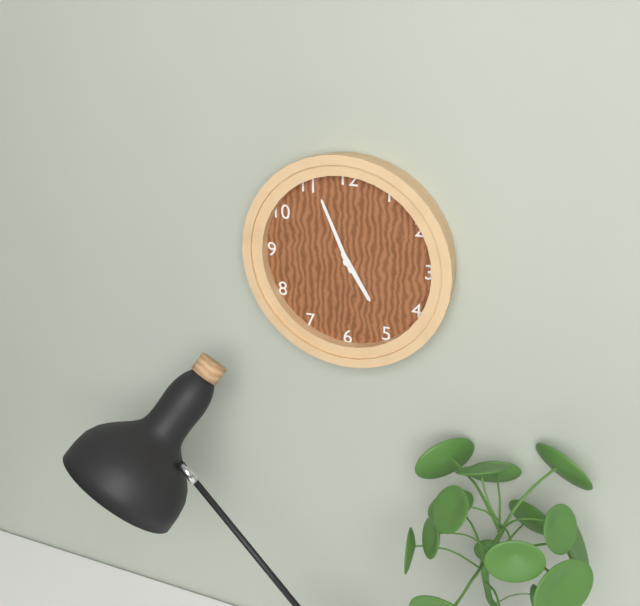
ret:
4.56
